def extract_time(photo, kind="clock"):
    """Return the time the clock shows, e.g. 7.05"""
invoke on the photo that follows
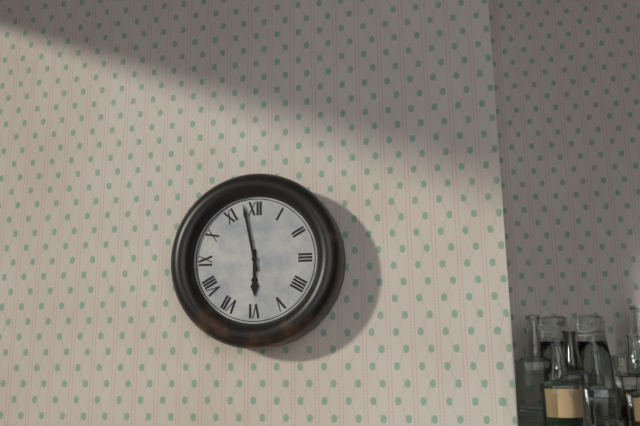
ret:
5.58
